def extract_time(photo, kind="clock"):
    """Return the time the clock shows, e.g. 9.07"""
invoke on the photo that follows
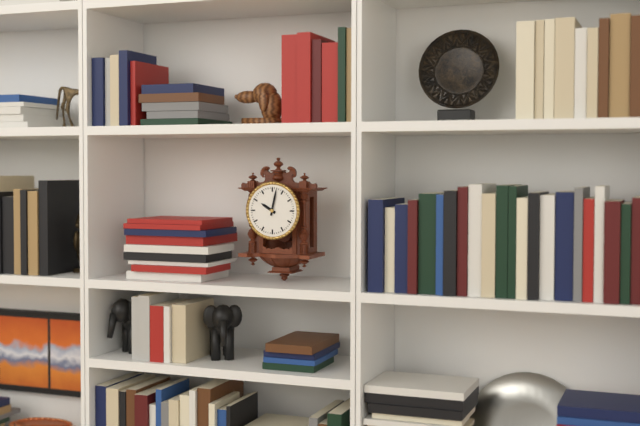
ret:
10.02
